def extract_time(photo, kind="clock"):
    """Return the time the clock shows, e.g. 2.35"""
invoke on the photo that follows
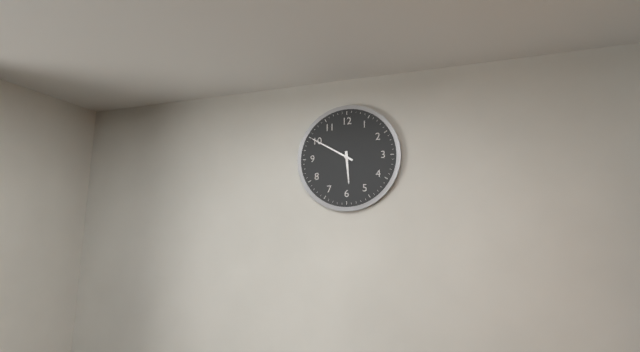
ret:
5.50
